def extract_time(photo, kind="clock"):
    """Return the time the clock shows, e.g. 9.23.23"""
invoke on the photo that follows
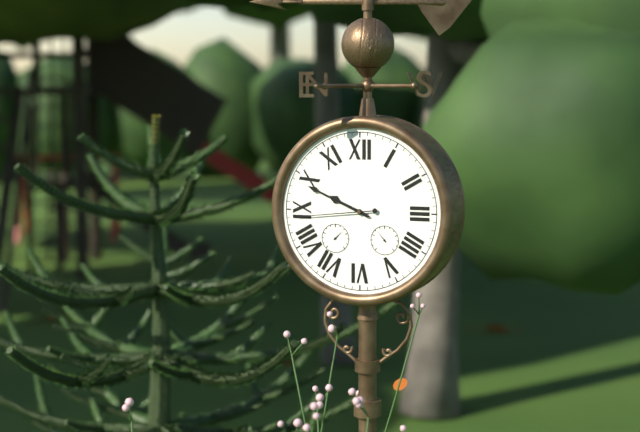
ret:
9.49.44
